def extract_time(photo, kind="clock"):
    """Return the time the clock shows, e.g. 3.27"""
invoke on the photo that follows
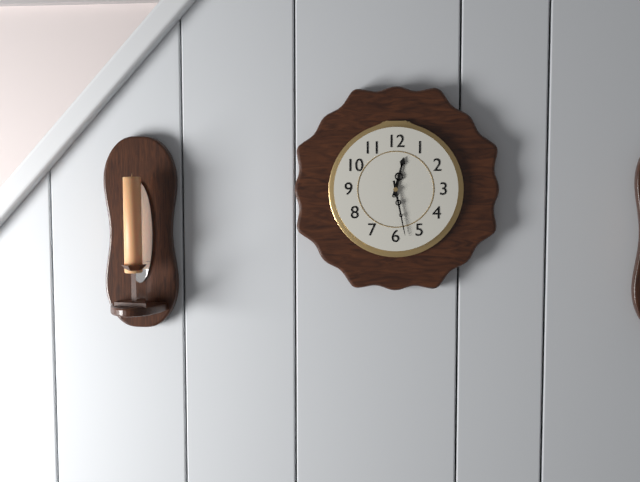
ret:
12.28
